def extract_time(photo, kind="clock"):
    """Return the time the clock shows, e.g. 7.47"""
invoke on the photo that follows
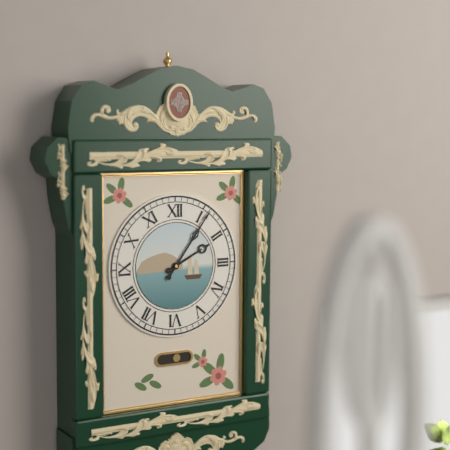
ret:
2.06
